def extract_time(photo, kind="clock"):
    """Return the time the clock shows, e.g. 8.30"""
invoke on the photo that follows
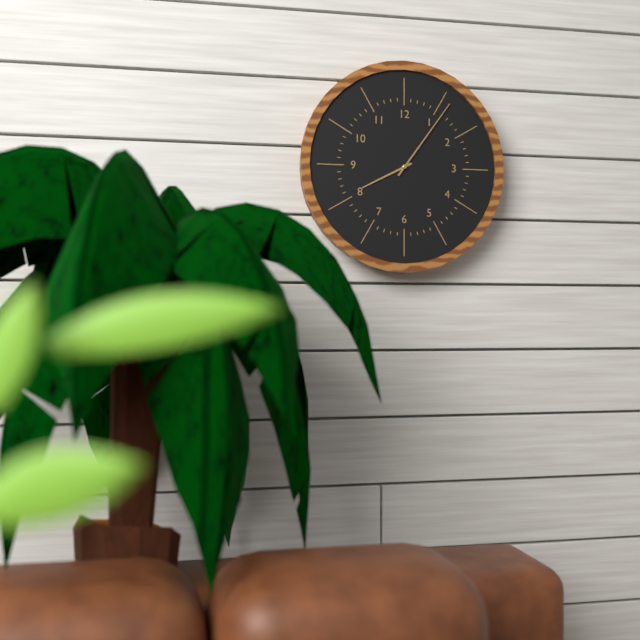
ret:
8.06
